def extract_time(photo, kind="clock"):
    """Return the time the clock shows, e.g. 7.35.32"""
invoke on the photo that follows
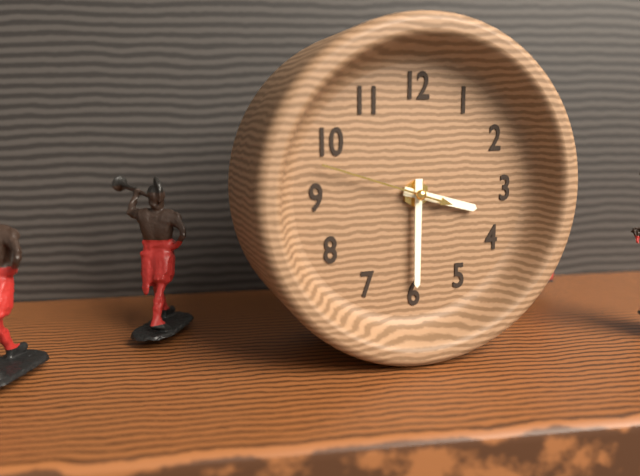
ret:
3.30.48
